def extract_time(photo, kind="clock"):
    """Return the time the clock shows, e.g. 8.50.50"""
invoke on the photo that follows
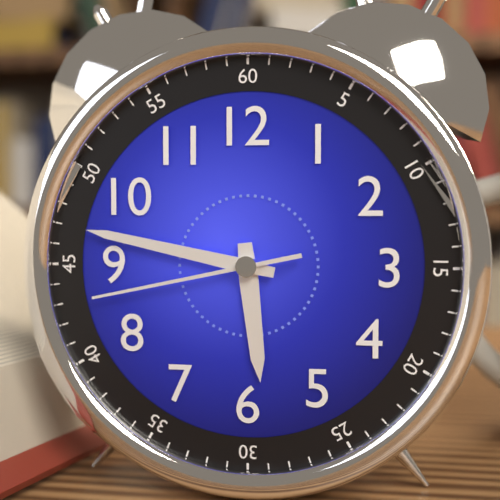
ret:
5.47.43
